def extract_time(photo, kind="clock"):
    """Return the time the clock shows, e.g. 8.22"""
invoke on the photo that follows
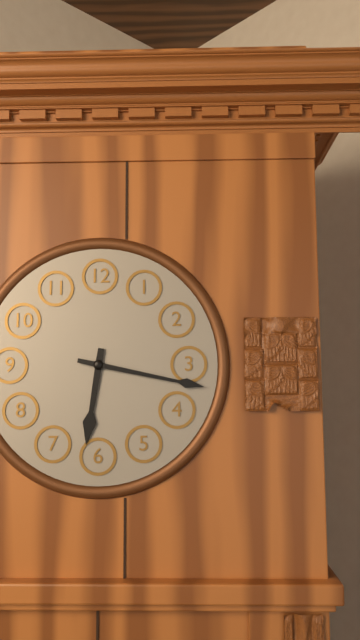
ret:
6.17
